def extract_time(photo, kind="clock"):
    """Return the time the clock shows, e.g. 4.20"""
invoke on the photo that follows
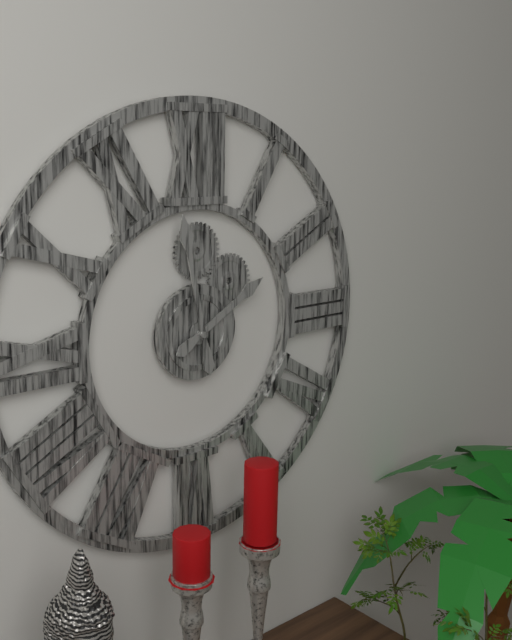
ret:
1.58
